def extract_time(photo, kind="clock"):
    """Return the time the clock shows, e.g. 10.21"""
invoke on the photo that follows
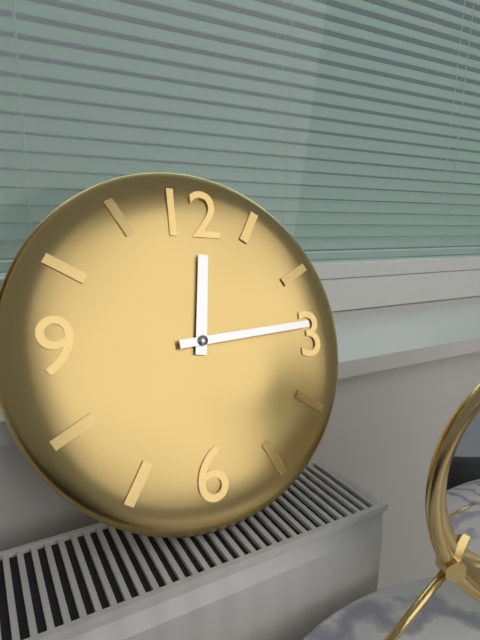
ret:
12.14
